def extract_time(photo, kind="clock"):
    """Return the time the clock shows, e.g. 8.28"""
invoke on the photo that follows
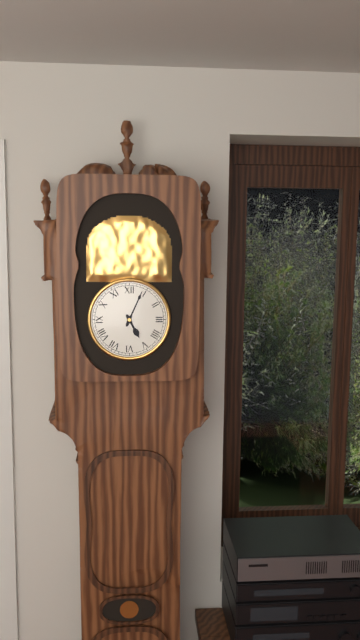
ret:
5.04
